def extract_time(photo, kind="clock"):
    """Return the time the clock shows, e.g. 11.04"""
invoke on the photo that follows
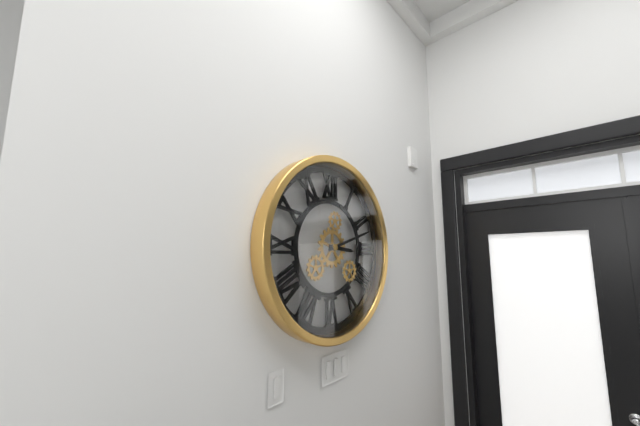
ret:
3.12
